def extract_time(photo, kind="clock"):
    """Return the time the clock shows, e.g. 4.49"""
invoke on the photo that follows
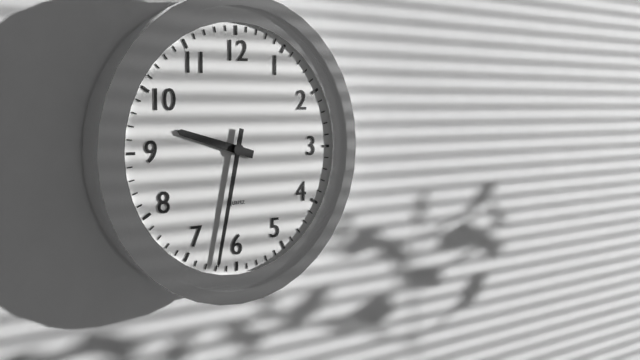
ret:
9.32
